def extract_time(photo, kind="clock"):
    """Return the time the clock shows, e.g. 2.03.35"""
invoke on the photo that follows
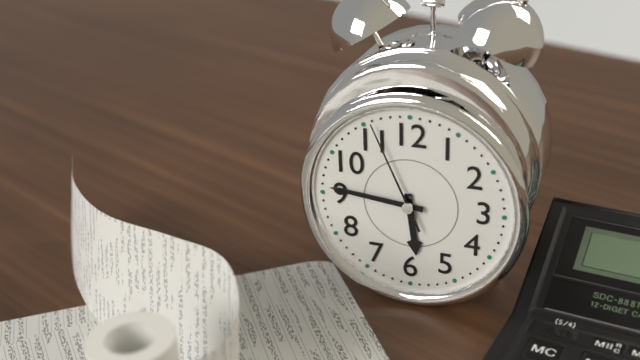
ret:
5.46.56
